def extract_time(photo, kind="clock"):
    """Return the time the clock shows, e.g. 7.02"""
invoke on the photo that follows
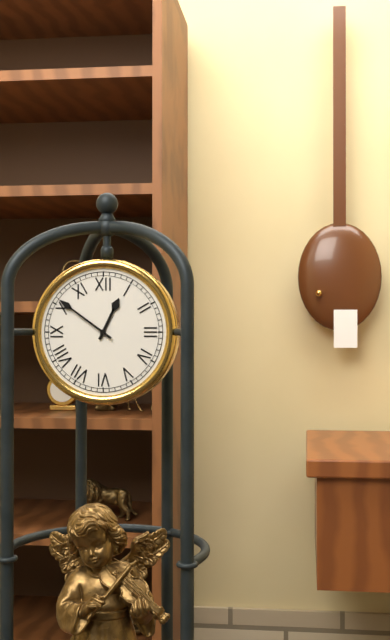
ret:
12.51
